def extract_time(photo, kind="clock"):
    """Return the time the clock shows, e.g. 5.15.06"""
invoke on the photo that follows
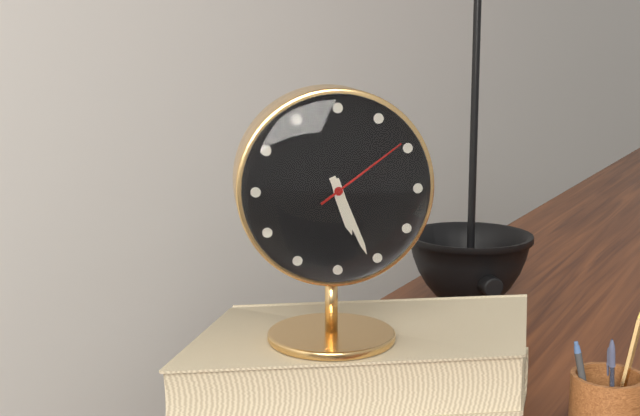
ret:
5.26.09
